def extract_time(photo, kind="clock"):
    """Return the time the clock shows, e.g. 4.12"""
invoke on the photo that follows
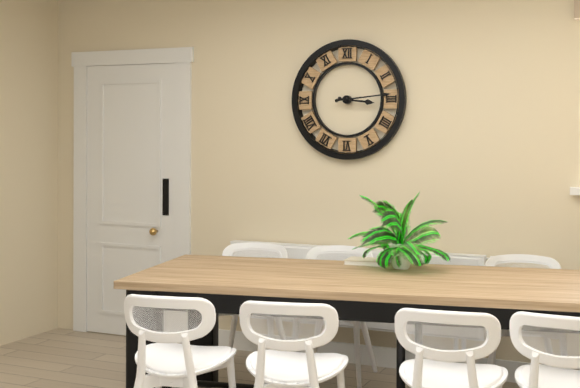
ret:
3.14
